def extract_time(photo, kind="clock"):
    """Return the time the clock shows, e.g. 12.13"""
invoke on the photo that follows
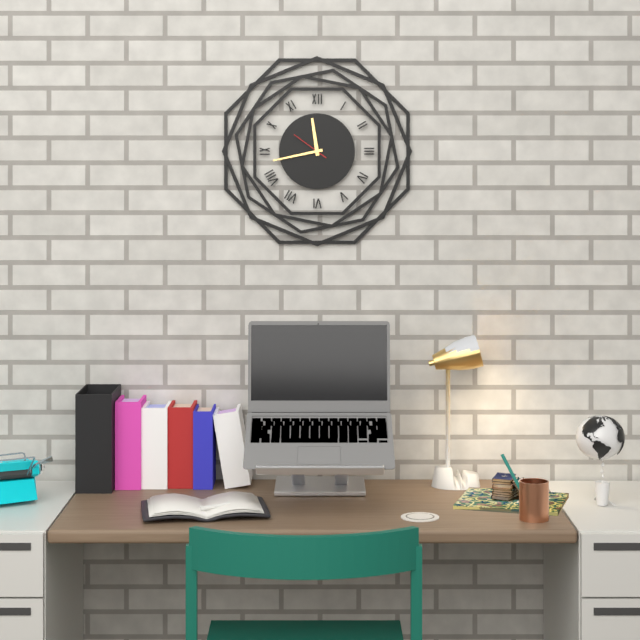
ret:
11.43
